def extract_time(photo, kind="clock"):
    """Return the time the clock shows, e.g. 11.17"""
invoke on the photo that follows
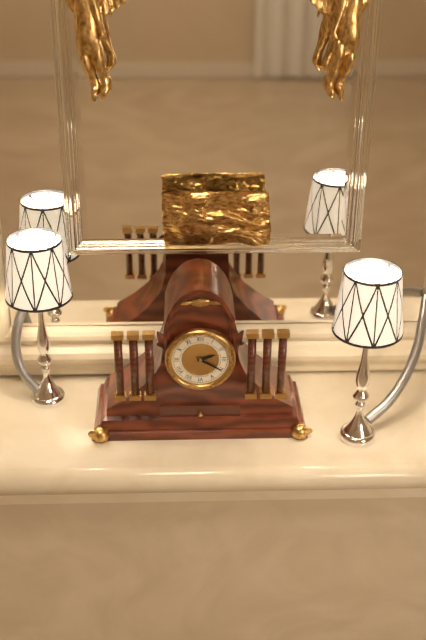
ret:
2.20
